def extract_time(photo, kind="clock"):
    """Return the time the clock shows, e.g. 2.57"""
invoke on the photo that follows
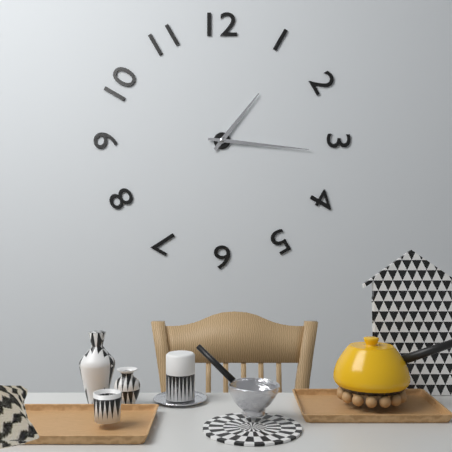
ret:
1.16
